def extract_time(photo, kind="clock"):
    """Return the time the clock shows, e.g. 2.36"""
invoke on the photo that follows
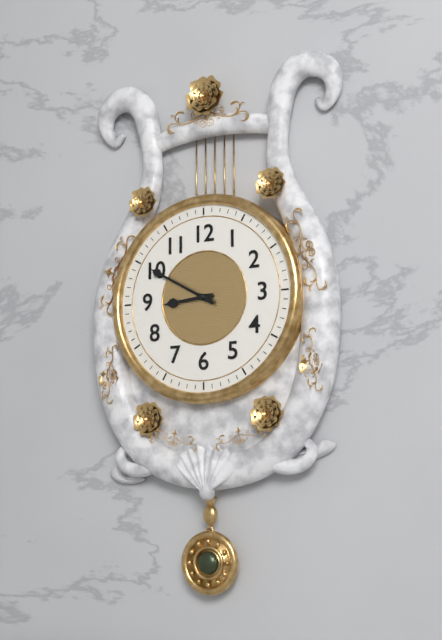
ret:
8.50
